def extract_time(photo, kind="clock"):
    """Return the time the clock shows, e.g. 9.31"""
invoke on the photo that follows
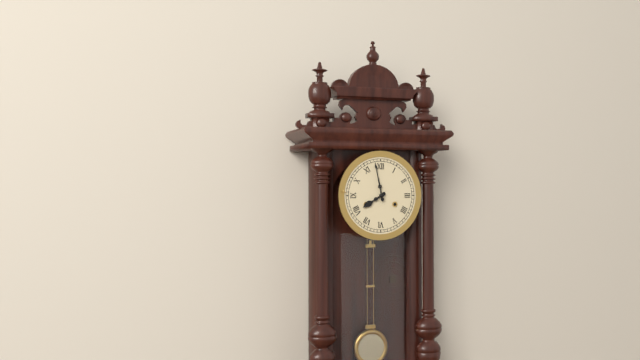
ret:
7.58
